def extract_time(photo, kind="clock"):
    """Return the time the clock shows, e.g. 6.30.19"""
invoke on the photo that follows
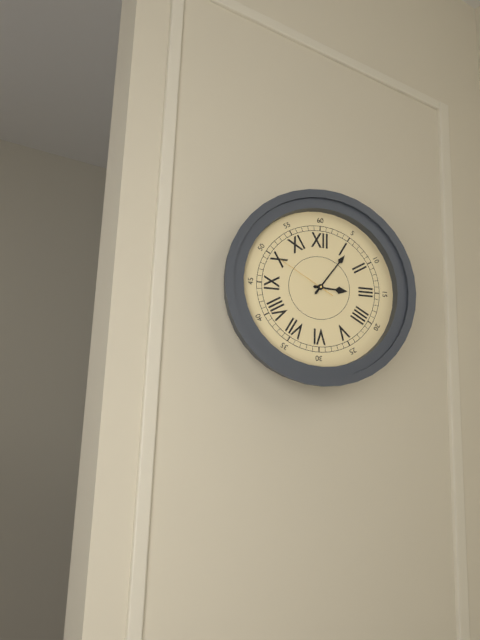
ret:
3.06.50
